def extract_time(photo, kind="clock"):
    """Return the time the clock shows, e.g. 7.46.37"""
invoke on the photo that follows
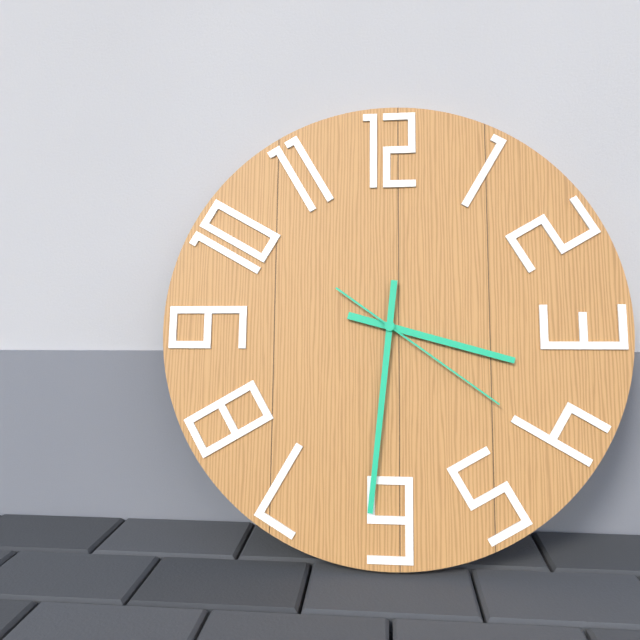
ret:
3.31.21
